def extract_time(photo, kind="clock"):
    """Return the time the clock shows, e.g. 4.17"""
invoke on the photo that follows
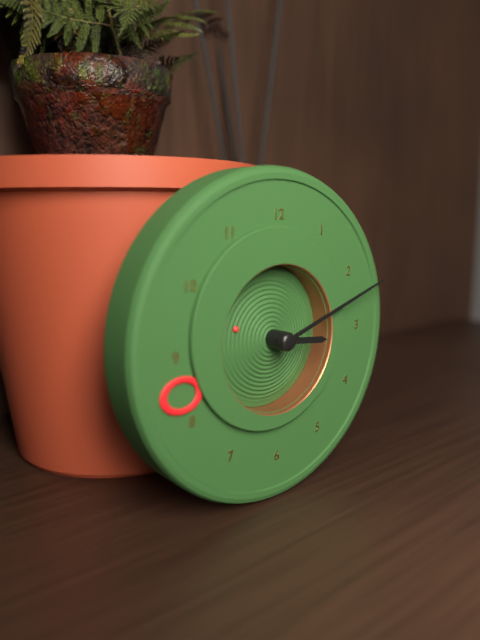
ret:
3.12
